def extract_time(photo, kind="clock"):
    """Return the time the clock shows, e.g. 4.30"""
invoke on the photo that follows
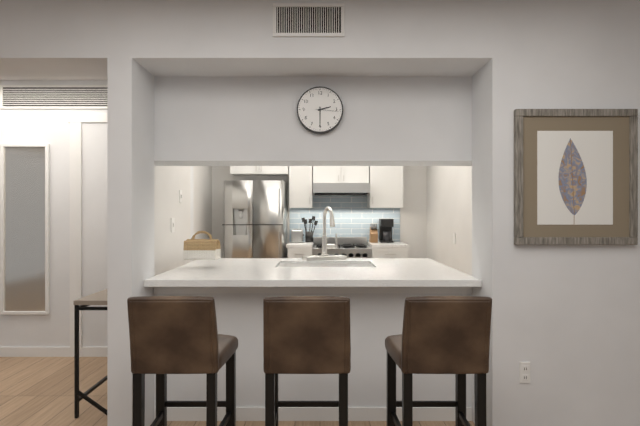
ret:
2.30
